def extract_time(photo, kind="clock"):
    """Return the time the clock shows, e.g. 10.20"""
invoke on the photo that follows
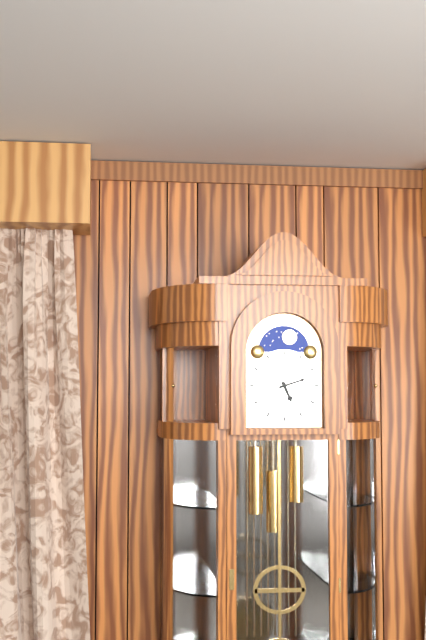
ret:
5.12
